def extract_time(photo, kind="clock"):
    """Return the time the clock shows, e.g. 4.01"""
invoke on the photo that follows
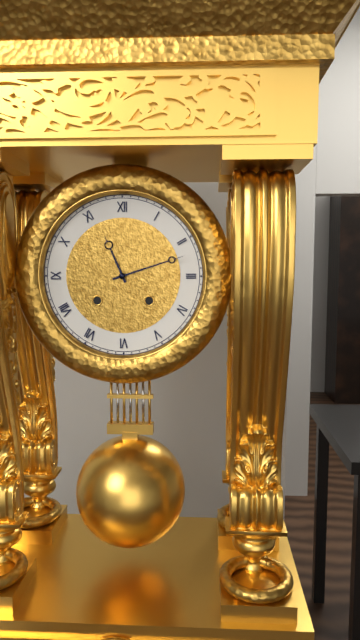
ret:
11.12
